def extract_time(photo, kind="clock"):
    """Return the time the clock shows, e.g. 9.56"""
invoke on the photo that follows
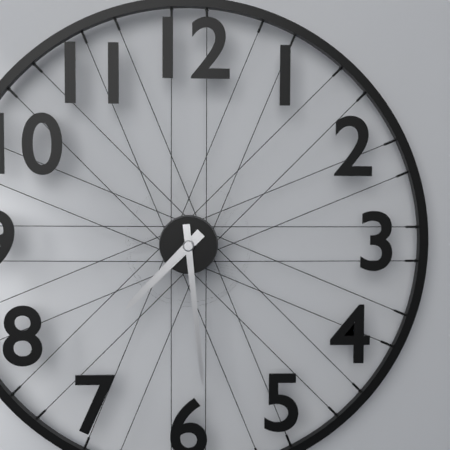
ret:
7.29
